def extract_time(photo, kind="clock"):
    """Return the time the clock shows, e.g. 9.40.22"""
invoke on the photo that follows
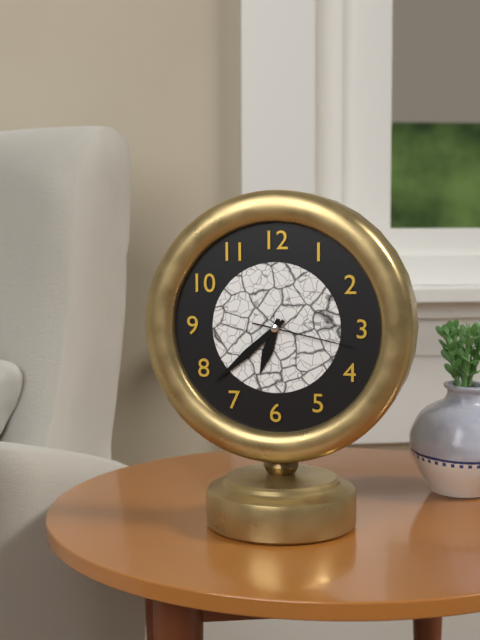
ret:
6.38.17
